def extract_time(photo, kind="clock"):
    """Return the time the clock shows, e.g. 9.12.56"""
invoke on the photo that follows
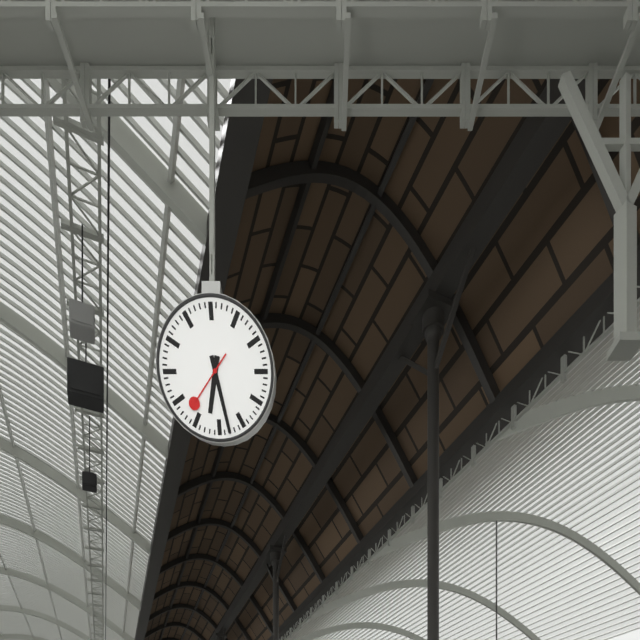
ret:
6.28.37
